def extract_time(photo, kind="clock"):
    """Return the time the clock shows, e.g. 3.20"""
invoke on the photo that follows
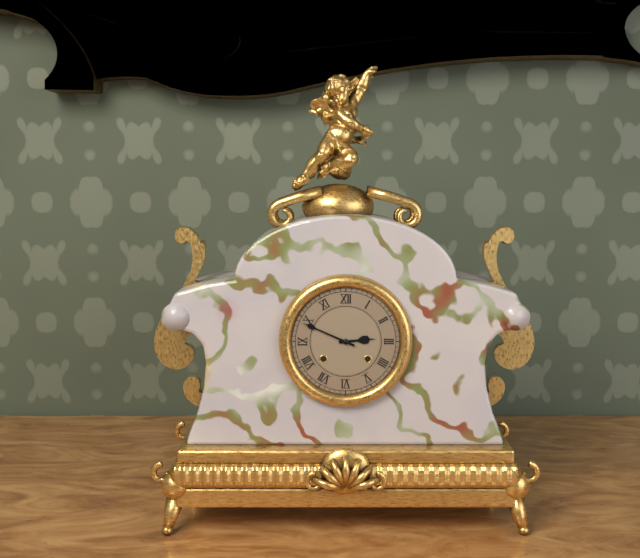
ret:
2.49
